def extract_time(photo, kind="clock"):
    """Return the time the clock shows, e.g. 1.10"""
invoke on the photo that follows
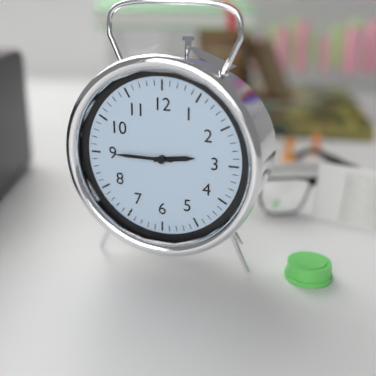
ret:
2.45
